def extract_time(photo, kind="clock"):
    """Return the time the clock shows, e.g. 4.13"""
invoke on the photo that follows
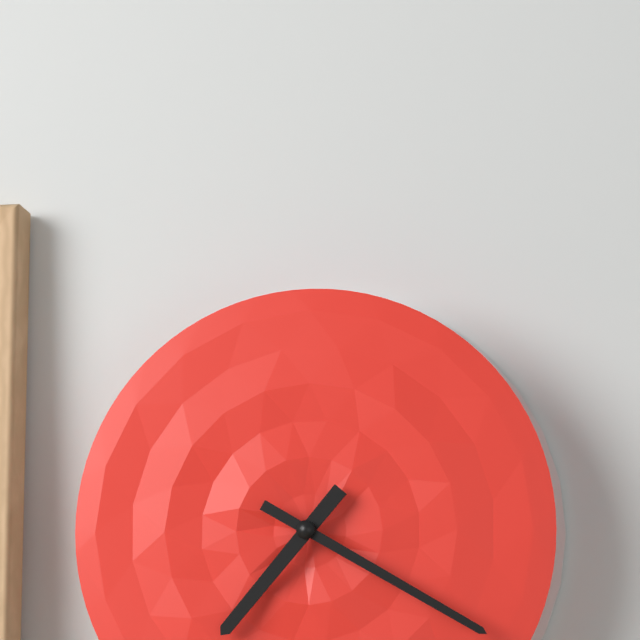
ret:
7.20
